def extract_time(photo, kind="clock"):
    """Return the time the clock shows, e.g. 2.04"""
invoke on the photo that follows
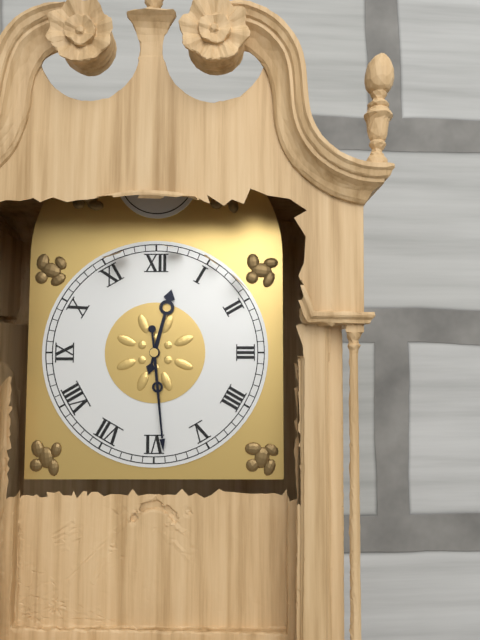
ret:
12.29
